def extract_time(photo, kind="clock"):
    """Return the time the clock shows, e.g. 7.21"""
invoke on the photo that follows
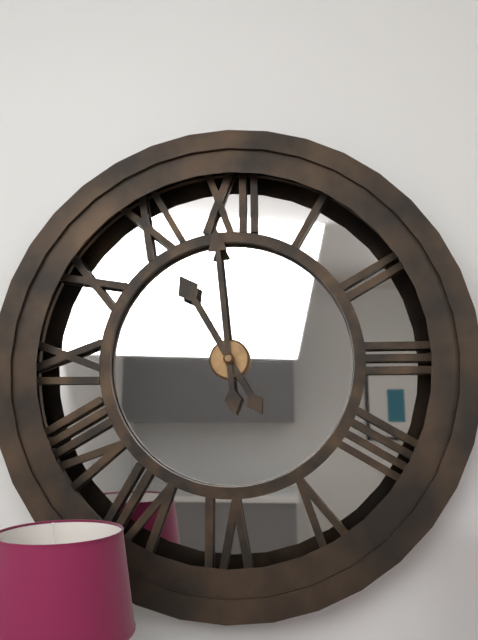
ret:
10.59
